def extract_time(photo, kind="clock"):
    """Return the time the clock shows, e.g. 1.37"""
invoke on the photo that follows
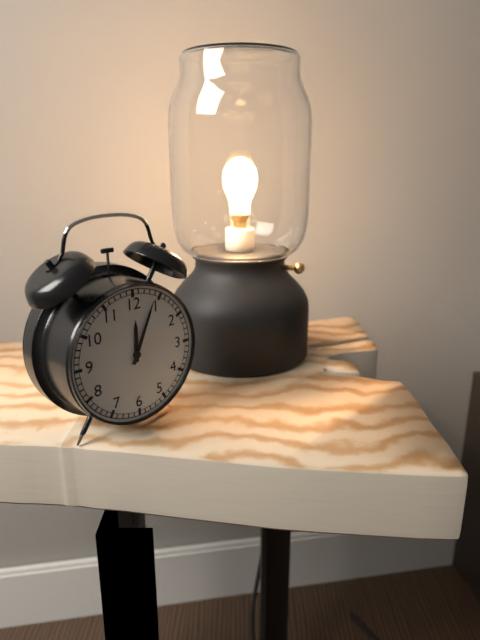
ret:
12.04
